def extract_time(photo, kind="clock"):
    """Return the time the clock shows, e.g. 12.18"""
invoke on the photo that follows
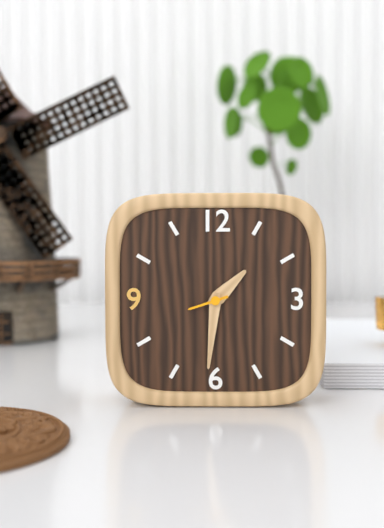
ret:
1.31
